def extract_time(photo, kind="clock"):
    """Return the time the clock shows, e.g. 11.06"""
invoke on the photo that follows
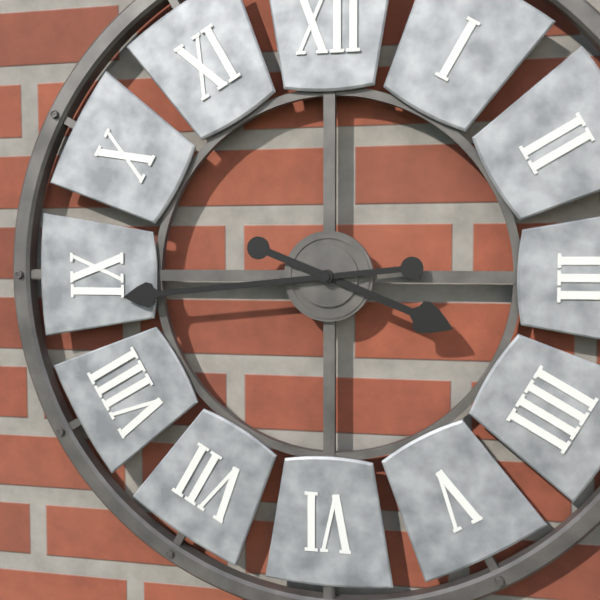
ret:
3.44
